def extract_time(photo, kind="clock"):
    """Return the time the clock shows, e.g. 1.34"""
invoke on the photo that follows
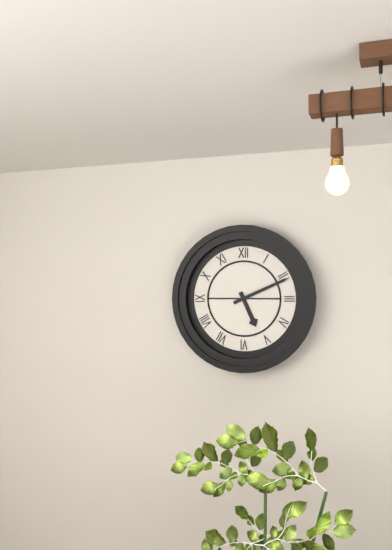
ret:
5.11
